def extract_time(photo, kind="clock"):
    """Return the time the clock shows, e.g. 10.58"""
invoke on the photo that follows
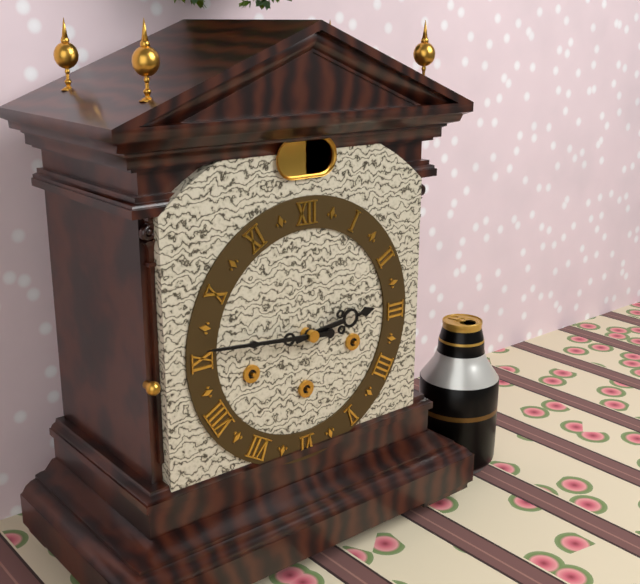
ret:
2.46
